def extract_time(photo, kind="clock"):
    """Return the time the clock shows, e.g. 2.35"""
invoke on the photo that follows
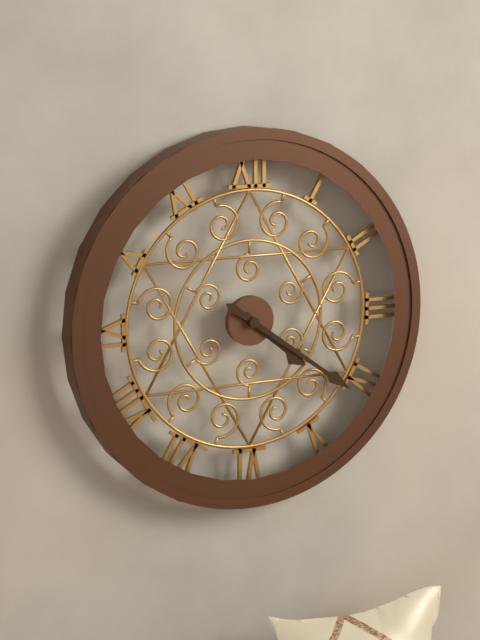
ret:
4.21
